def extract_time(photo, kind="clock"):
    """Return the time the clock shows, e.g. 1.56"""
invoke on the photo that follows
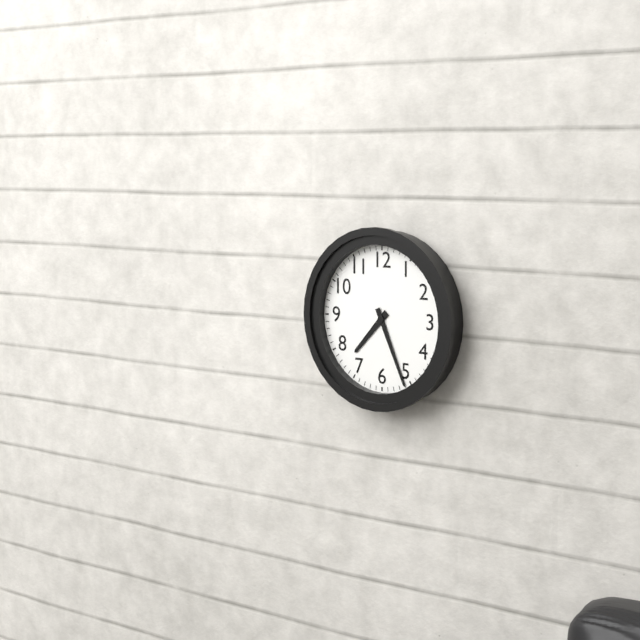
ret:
7.26
